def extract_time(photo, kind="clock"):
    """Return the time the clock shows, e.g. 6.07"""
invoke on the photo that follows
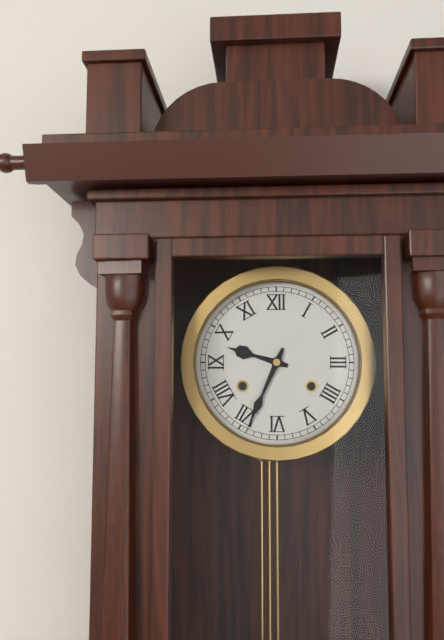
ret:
9.34
